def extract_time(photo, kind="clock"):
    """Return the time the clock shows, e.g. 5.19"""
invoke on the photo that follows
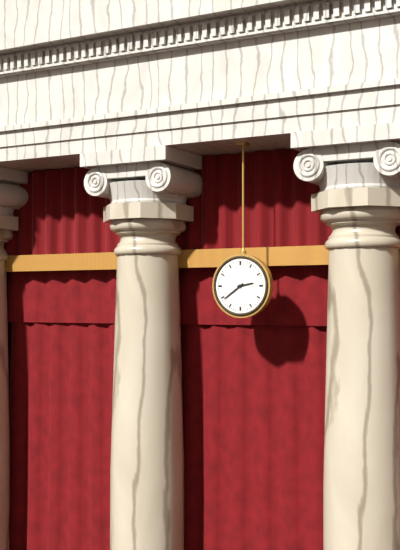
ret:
2.39
